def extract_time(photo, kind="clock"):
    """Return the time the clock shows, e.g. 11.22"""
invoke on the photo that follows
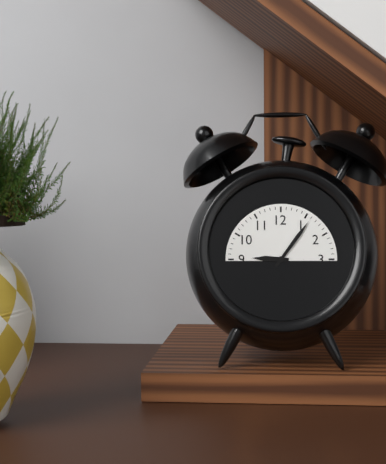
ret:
9.06
